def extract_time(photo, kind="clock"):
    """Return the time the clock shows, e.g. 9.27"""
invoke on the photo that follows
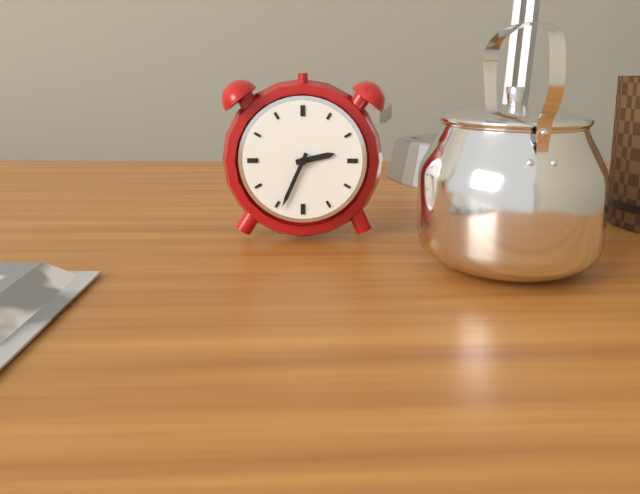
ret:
2.34
